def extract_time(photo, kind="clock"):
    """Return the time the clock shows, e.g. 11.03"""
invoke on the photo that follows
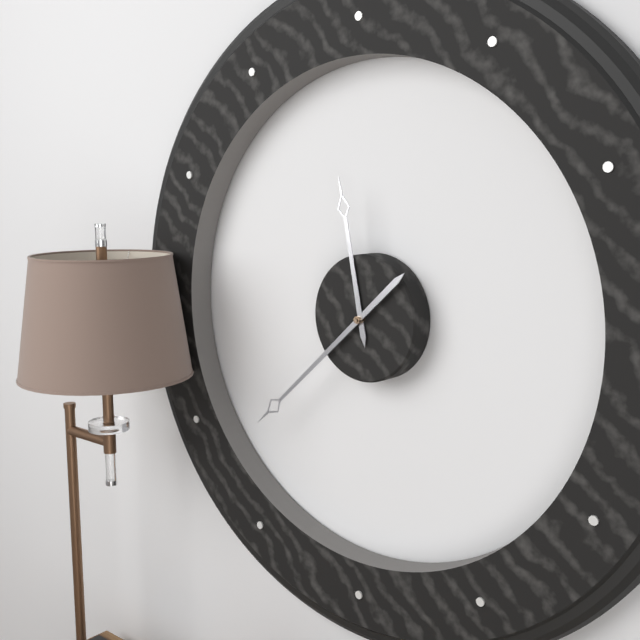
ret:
11.38
